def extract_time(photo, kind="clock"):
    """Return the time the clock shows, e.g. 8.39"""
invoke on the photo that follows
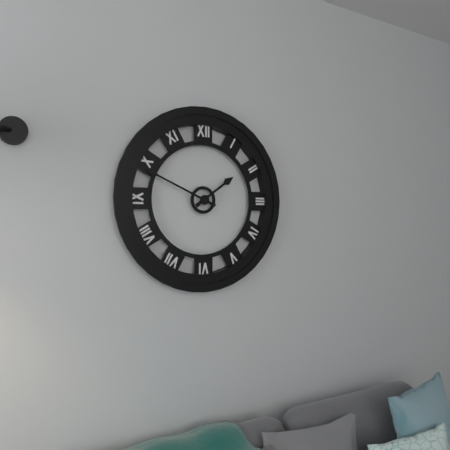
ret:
1.49
